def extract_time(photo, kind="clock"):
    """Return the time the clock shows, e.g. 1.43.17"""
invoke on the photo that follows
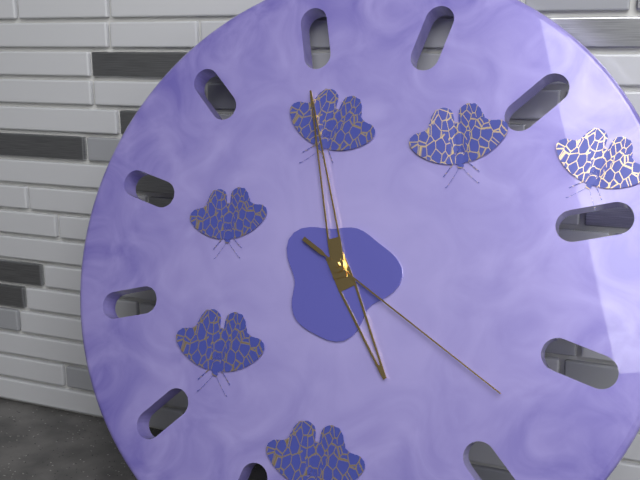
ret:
4.57.20
